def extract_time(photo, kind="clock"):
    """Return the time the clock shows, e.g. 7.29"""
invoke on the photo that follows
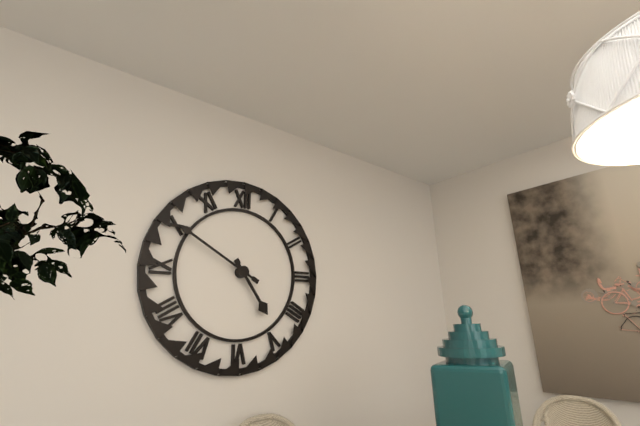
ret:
4.50
